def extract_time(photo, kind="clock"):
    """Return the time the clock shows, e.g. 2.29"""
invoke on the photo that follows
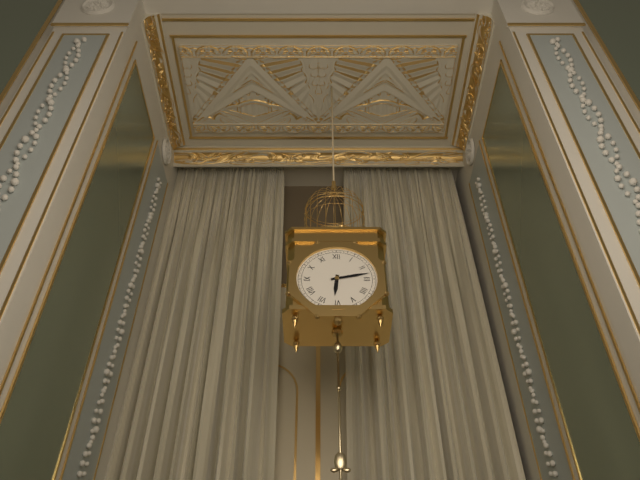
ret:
6.13
